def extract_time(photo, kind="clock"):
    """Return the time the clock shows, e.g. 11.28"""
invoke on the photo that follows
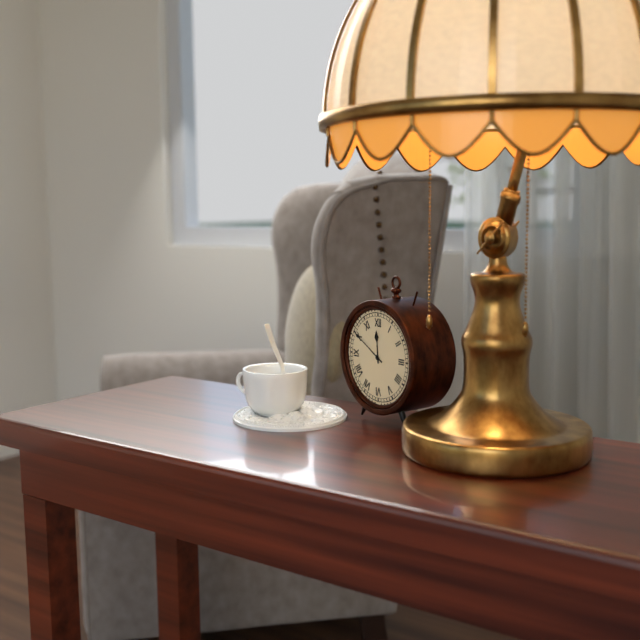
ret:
11.50
